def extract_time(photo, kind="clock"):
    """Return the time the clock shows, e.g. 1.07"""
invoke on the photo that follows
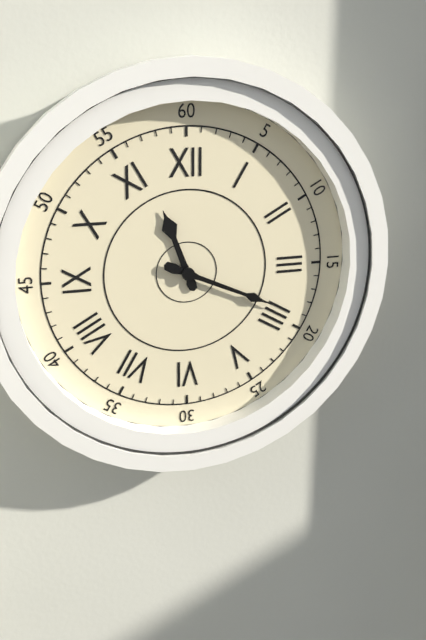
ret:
11.19
